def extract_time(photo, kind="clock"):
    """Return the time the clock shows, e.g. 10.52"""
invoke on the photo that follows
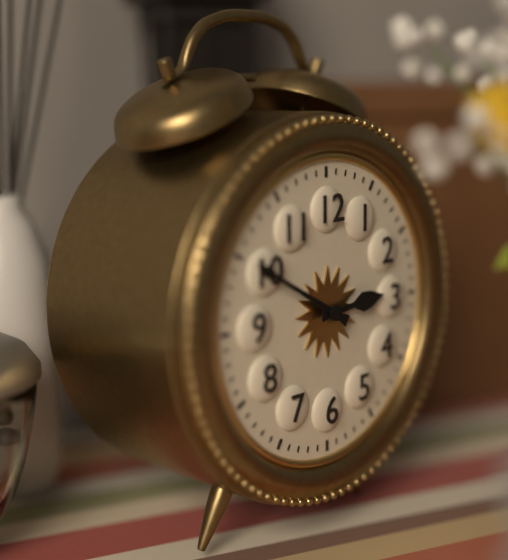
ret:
2.50
